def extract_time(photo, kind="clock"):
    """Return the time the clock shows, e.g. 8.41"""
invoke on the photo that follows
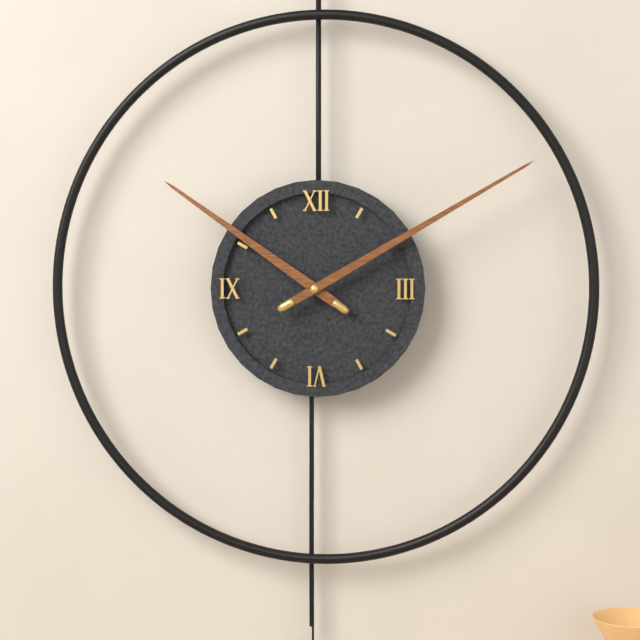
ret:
10.10
